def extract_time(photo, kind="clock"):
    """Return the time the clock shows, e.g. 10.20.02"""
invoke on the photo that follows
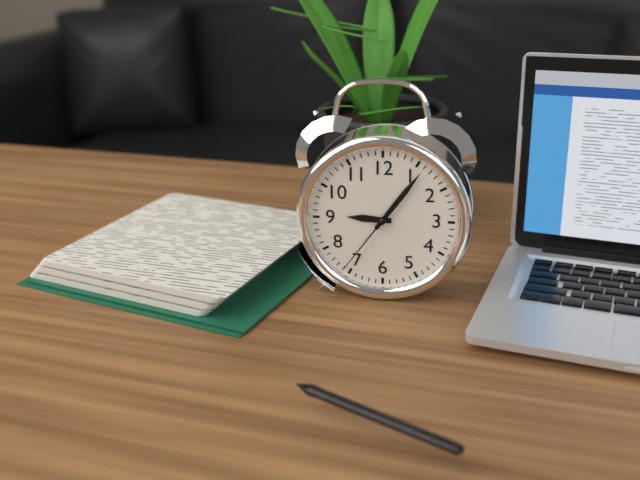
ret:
9.06.36
